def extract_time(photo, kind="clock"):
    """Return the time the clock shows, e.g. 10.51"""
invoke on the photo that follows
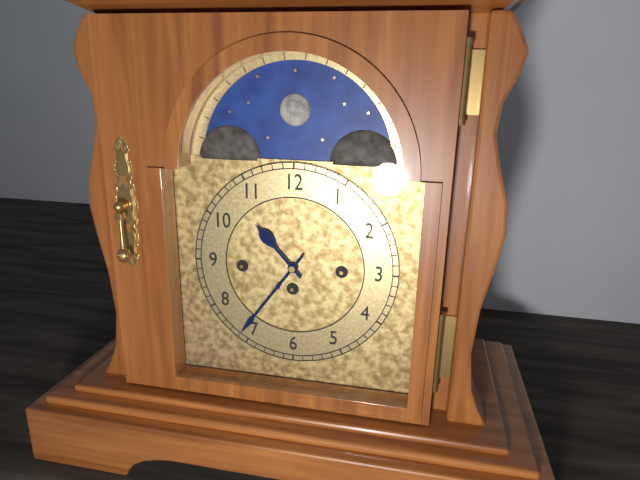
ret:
10.36
